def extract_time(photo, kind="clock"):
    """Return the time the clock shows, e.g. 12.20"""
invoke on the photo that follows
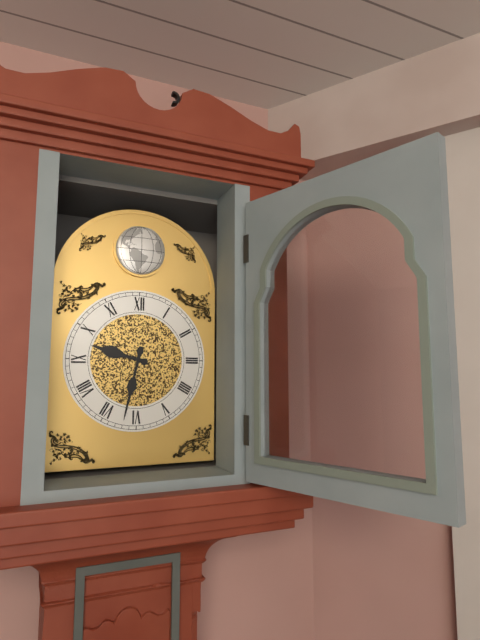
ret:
9.32
